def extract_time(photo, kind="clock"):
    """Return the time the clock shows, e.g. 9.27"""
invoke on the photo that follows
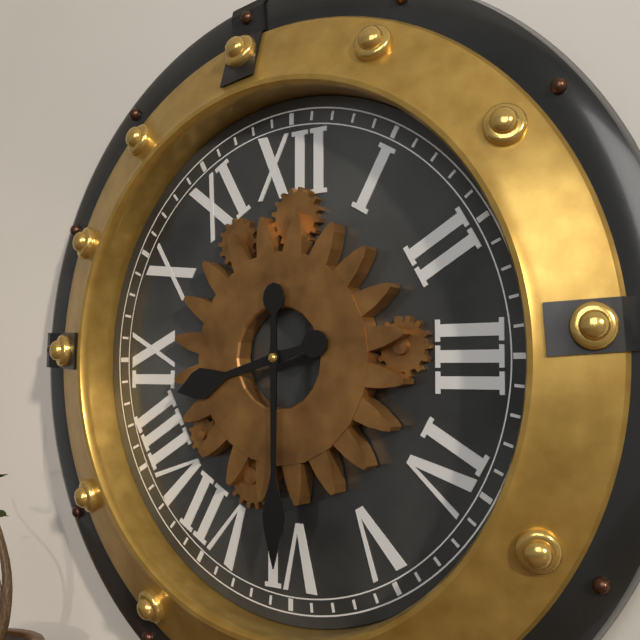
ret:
8.30
